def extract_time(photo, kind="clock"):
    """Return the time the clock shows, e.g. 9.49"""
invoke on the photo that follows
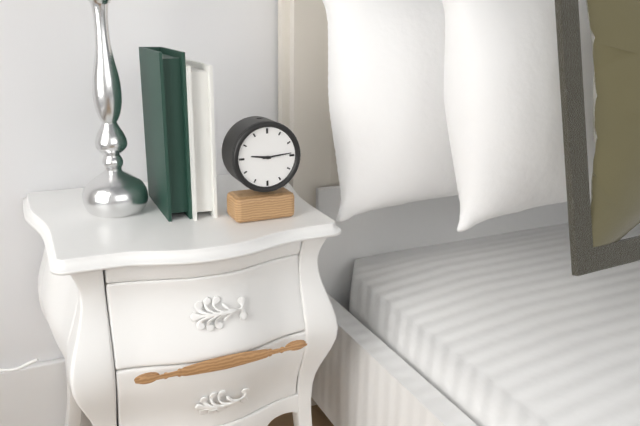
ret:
9.14
